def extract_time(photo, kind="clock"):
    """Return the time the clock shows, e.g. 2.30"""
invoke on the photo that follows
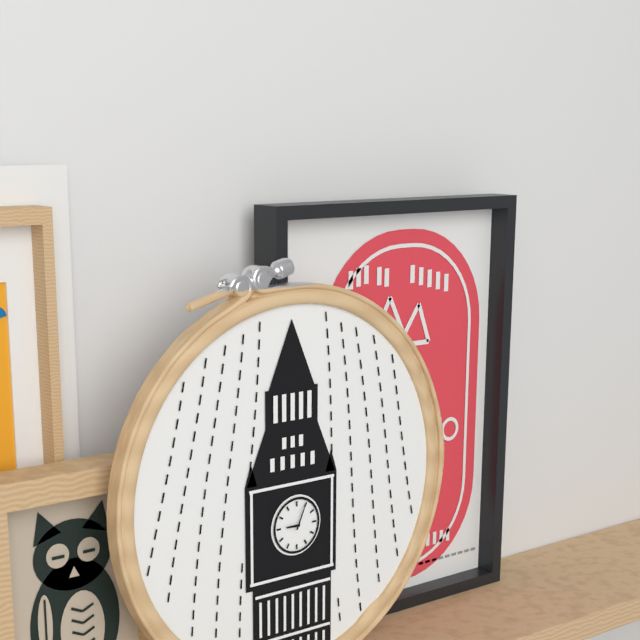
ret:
9.04
